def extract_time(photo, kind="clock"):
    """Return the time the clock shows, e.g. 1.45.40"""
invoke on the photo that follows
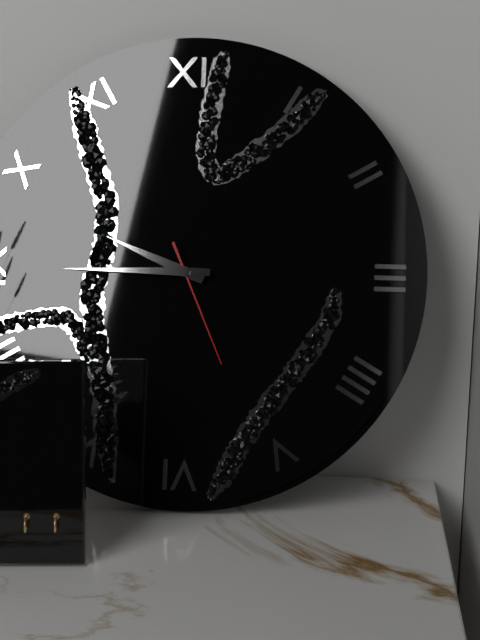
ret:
9.45.26
